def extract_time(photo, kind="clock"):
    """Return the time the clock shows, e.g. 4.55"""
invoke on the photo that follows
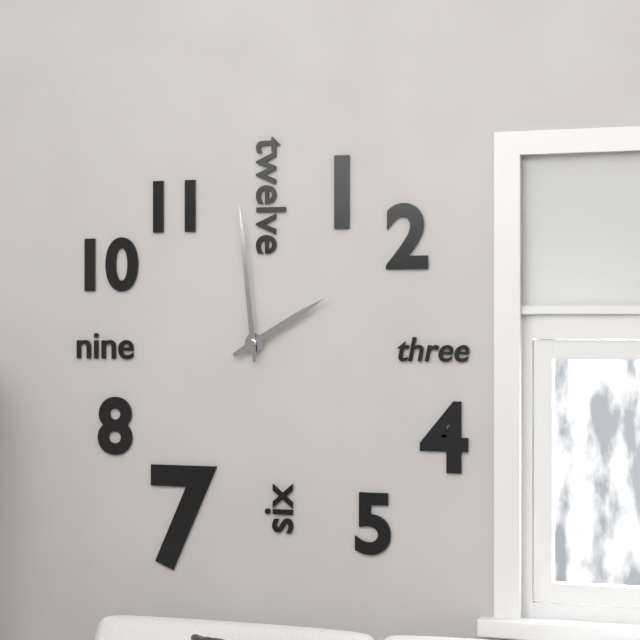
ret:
1.59
